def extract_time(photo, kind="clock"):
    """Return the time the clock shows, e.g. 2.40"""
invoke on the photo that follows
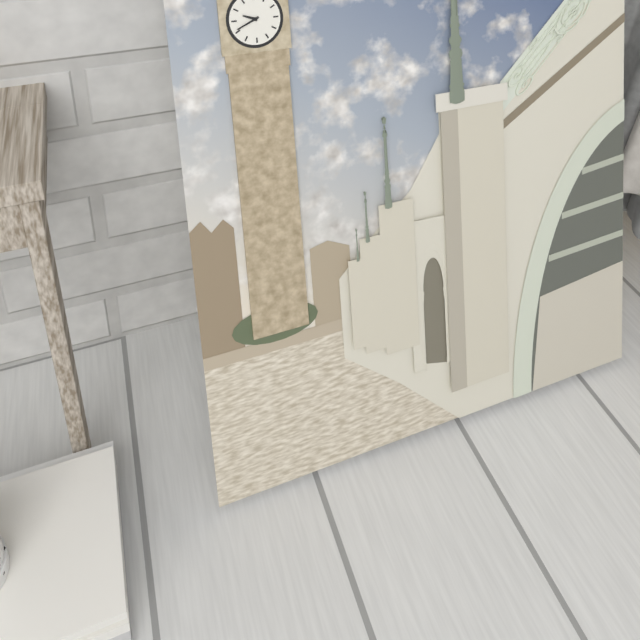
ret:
9.41
